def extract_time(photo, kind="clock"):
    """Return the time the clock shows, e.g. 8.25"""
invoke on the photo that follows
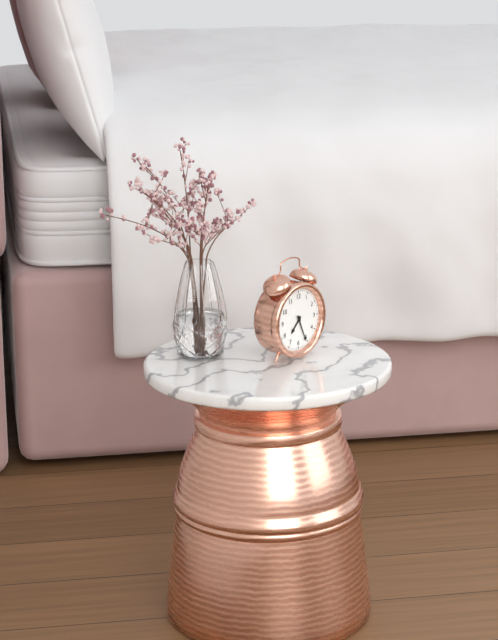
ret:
7.26
